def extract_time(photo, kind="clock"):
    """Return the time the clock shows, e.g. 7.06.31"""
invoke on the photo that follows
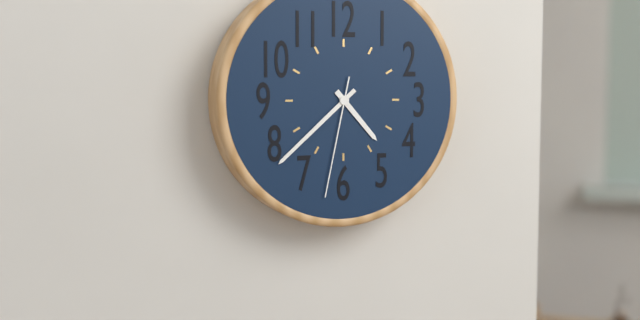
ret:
4.38.32
